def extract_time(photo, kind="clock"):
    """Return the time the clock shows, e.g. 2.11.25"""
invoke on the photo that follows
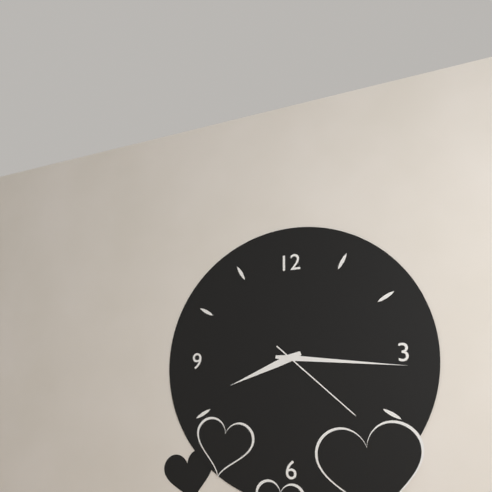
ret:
8.16.22
